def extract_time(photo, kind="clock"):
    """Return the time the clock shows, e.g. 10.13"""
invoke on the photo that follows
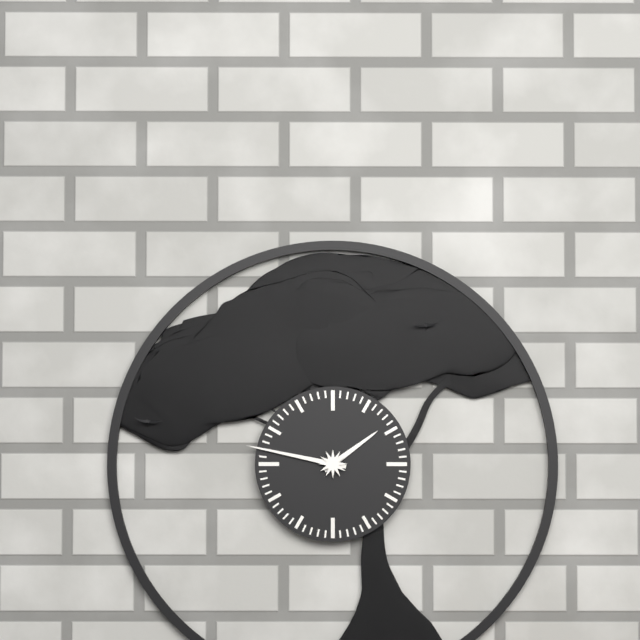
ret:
1.47
